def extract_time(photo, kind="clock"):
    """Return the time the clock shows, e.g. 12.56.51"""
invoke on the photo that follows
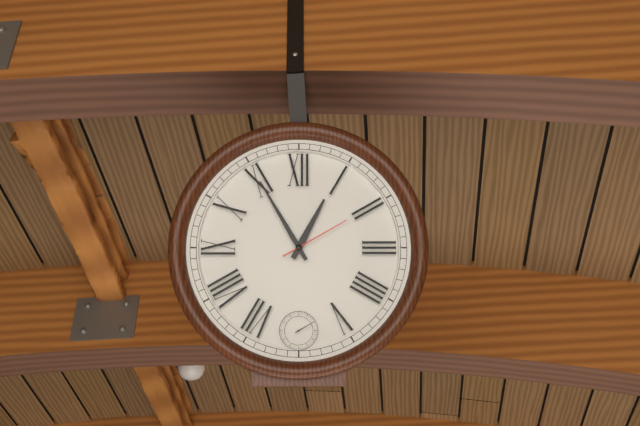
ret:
12.55.10
